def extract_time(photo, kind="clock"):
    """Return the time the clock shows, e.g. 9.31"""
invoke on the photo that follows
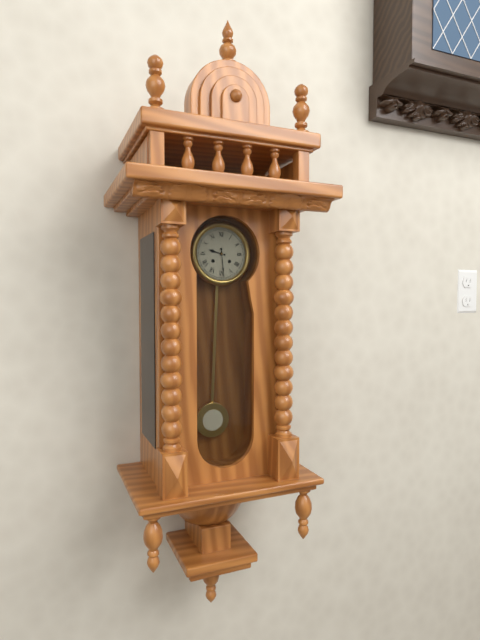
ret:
9.29
